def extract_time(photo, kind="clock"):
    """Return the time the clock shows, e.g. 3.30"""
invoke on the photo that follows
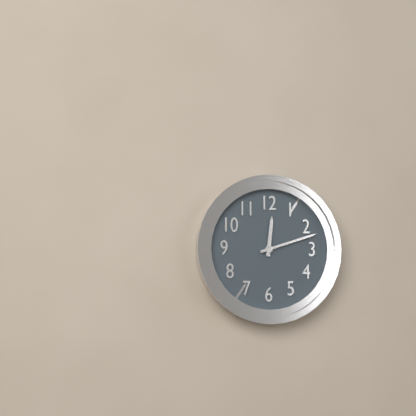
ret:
12.12
